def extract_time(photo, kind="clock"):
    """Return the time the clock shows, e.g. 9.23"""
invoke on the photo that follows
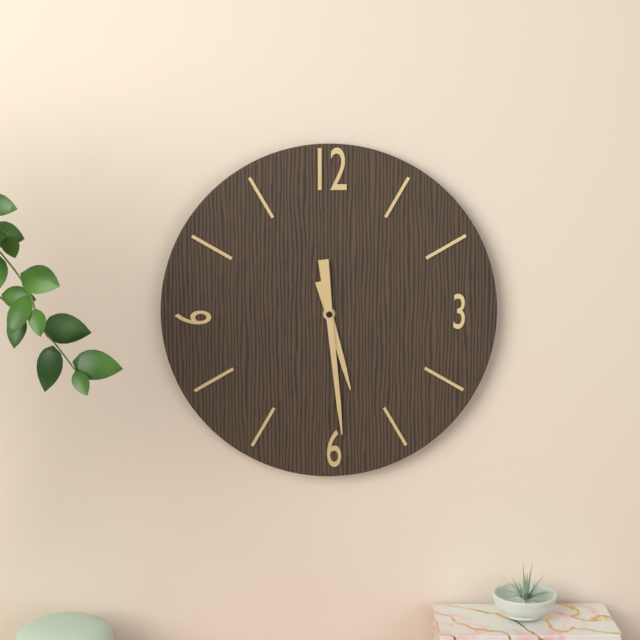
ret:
5.29
